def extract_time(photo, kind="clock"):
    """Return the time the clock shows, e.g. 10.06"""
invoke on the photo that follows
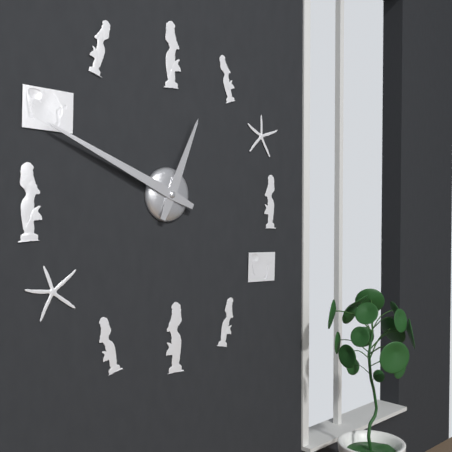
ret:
12.49
